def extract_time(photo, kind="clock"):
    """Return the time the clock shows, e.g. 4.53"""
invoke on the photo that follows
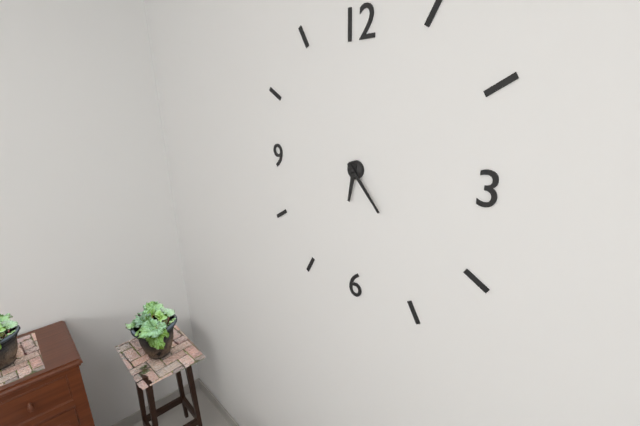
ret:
6.23
